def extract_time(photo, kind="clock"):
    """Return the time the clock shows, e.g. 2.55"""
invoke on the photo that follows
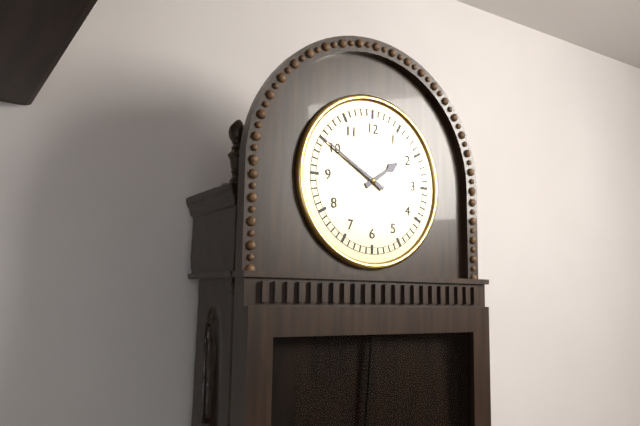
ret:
1.50
